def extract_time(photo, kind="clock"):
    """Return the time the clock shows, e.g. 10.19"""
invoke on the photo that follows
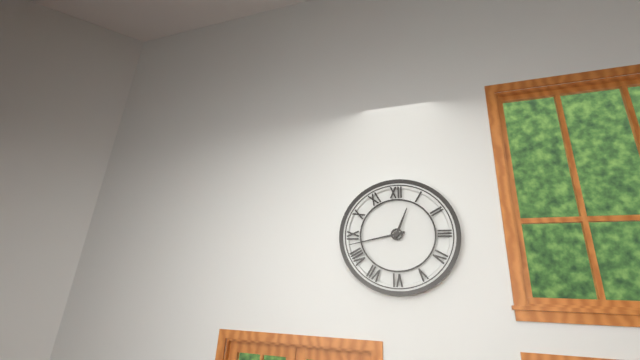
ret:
12.43
